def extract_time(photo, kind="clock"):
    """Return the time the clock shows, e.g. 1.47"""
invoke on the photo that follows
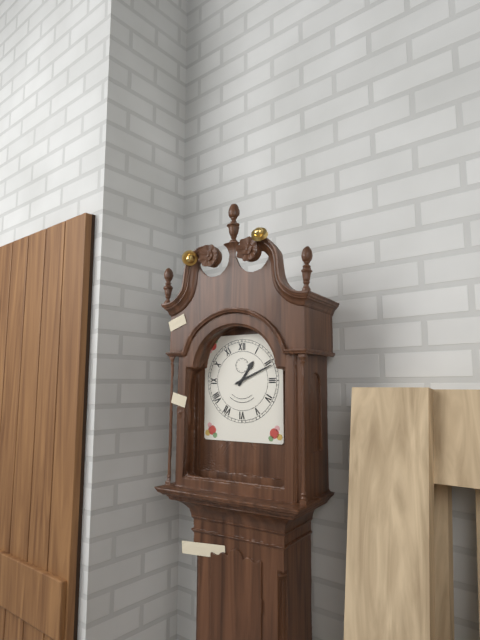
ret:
1.11
